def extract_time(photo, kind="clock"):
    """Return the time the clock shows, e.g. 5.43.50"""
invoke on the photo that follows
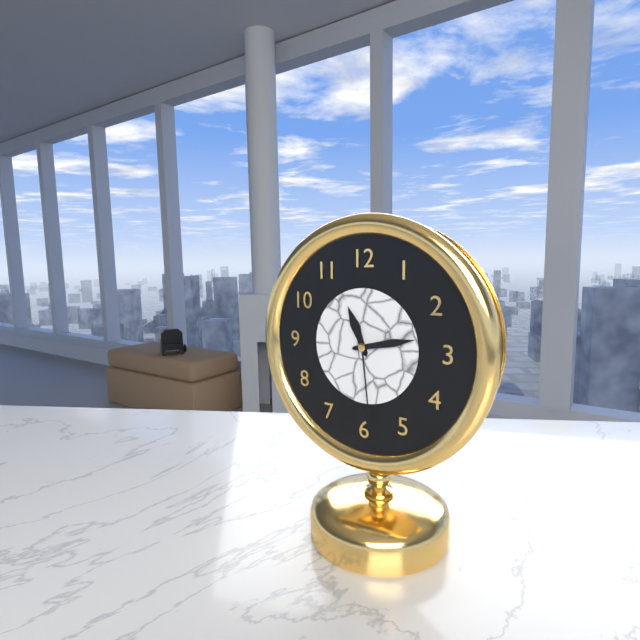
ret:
11.13.29
